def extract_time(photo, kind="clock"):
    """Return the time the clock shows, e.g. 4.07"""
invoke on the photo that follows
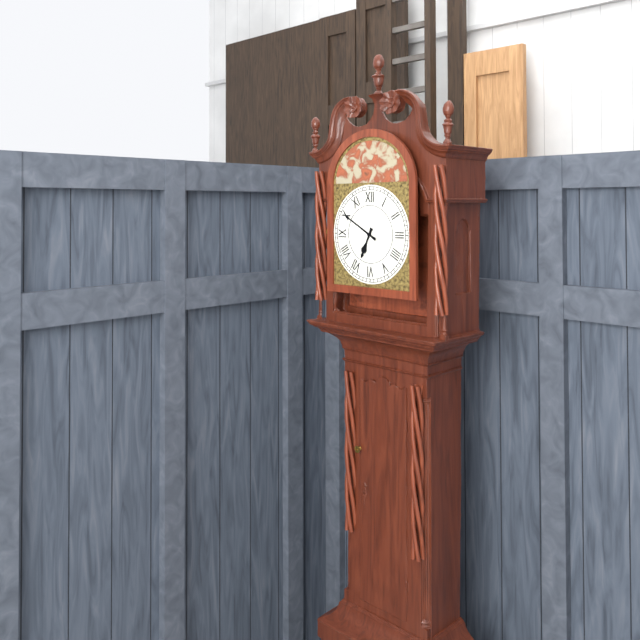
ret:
6.50
